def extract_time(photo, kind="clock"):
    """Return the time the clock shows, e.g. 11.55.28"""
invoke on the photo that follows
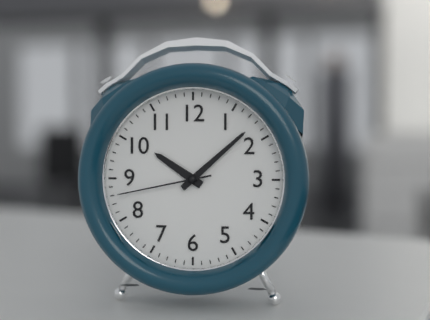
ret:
10.08.43
